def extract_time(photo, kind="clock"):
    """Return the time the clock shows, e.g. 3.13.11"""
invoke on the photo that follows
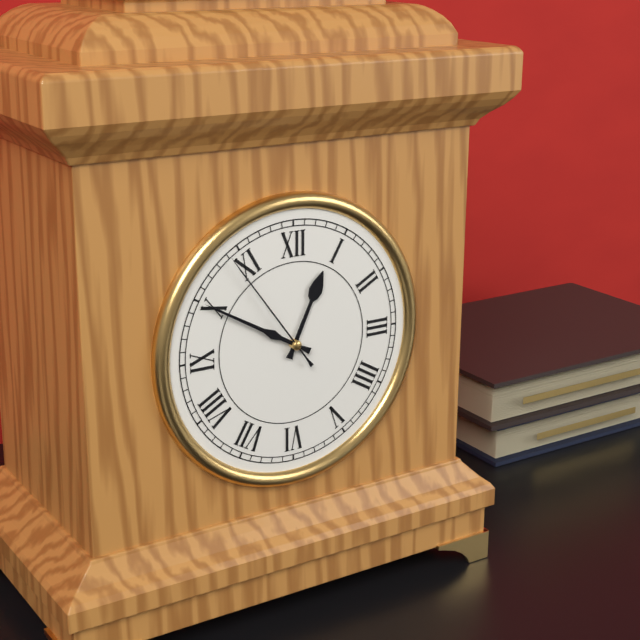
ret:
12.50.54
